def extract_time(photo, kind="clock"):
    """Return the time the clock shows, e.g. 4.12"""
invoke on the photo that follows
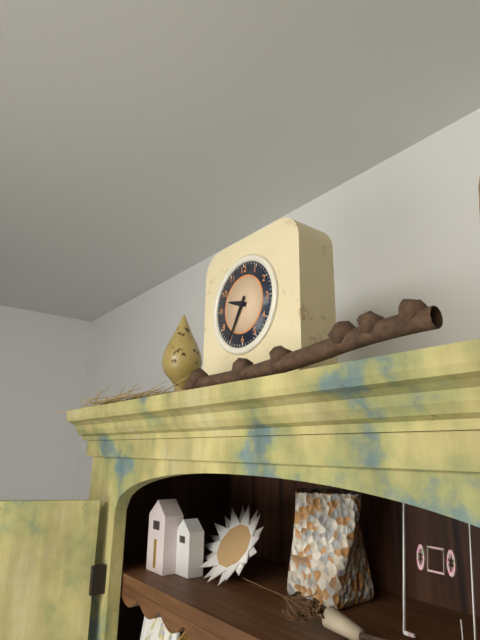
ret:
9.35
